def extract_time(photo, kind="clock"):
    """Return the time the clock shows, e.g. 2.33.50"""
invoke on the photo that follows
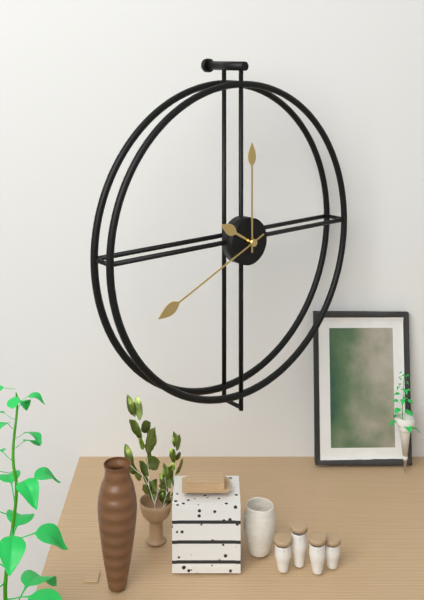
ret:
10.00.41
